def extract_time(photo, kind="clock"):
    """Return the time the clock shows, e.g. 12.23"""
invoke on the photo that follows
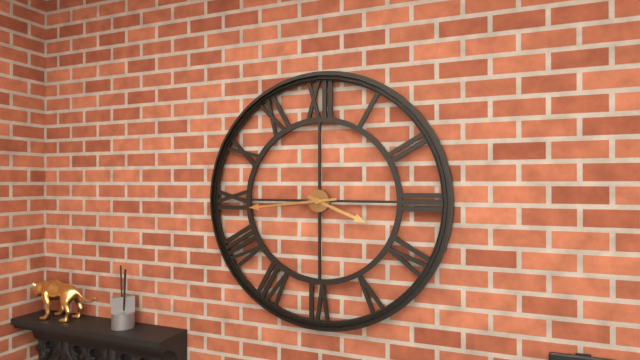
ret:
3.44
